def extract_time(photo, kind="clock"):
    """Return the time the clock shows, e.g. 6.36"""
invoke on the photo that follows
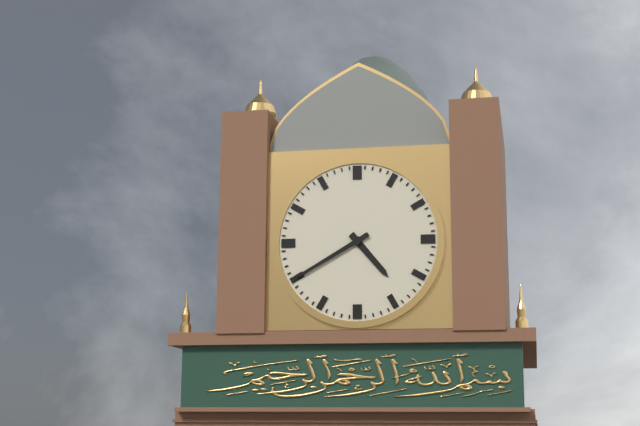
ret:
4.40
